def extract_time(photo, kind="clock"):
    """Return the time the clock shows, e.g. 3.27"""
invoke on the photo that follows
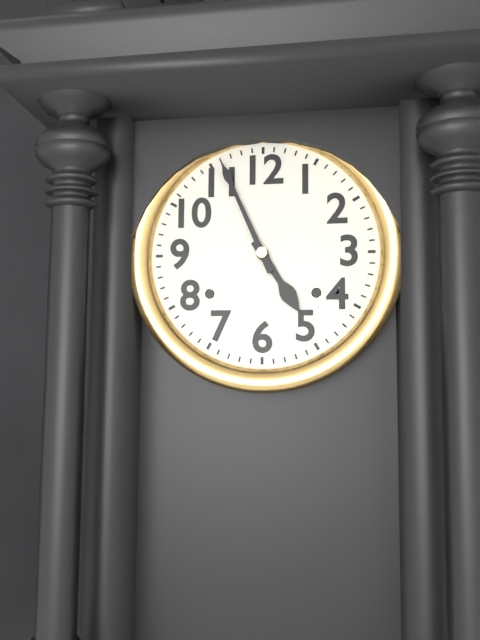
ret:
4.56
